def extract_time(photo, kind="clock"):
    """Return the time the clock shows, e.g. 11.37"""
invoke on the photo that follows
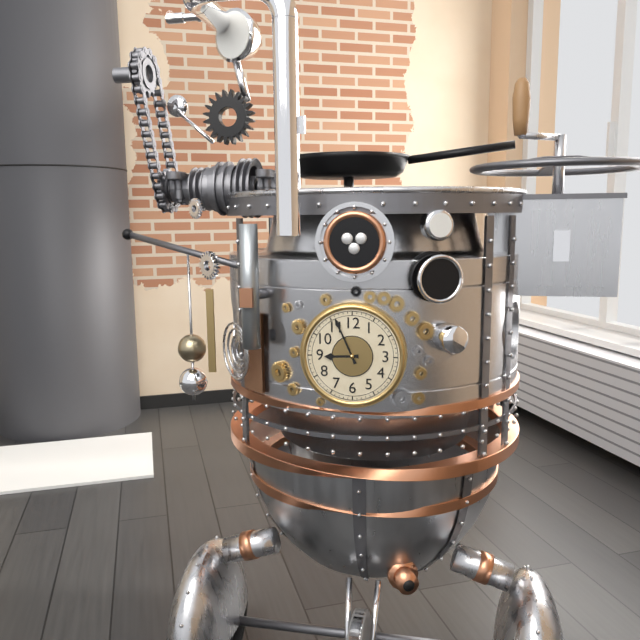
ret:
8.56
